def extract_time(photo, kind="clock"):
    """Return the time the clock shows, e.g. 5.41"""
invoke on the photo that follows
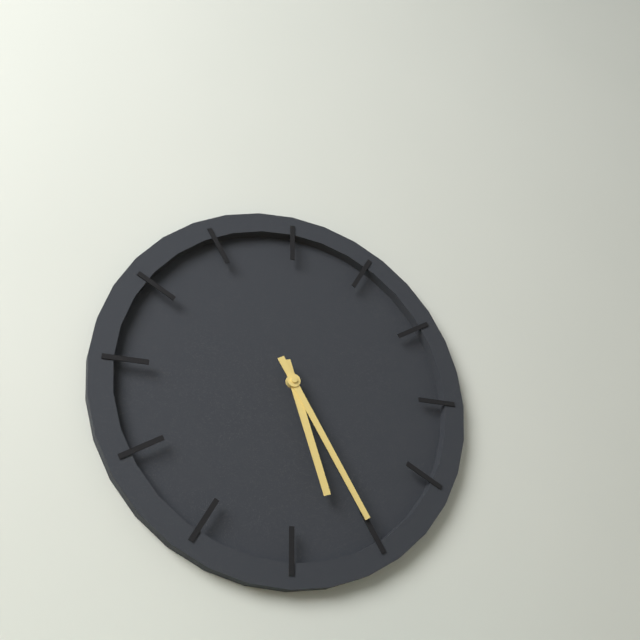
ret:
5.25
